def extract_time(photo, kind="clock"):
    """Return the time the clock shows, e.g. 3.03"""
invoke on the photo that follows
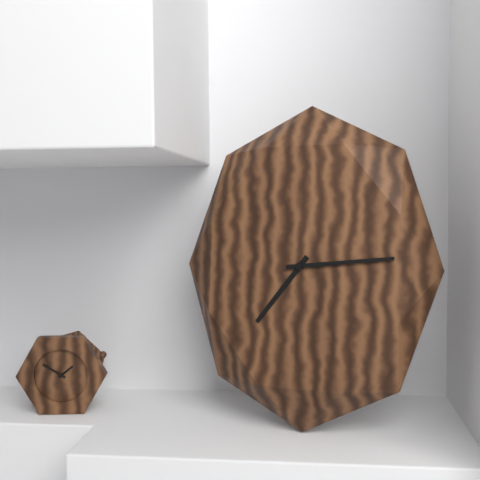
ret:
7.14
